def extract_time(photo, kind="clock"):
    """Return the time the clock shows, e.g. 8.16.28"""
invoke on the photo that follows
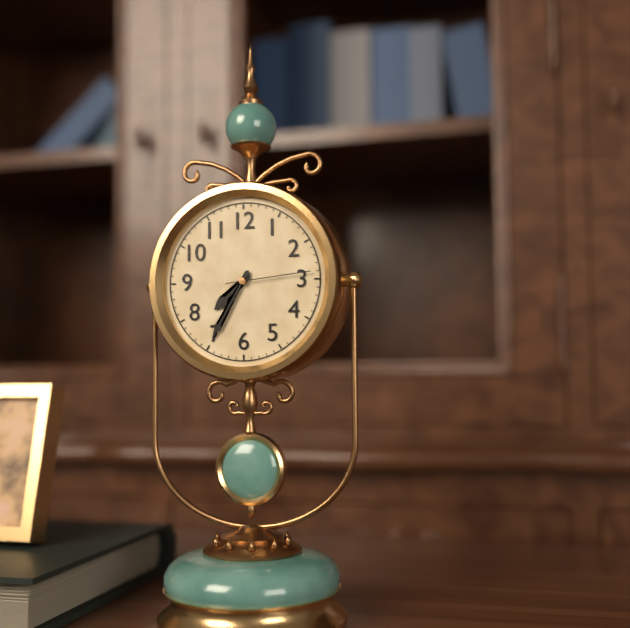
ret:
7.35.14
